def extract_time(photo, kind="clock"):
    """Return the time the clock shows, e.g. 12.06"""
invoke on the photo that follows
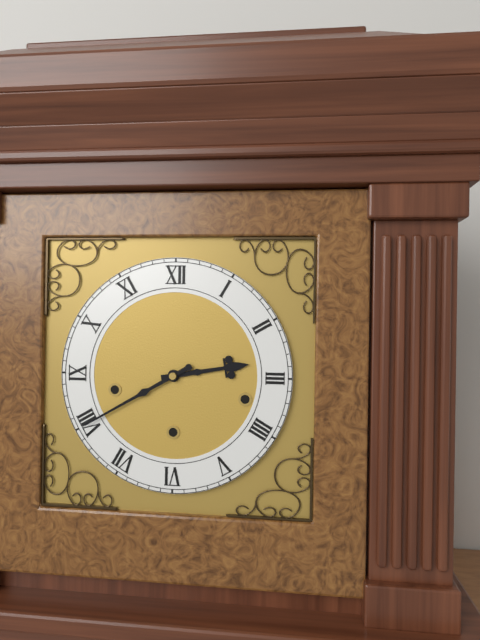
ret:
2.40
